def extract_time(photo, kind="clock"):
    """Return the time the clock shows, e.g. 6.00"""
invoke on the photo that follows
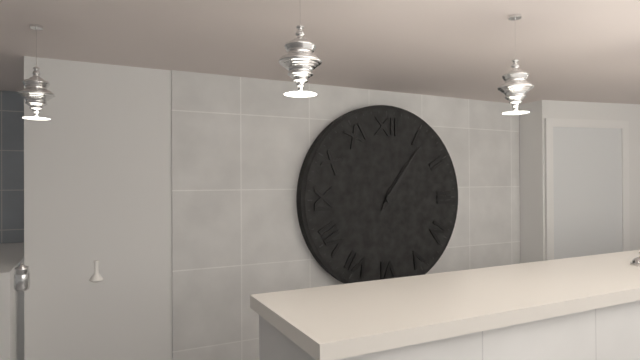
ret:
1.06
